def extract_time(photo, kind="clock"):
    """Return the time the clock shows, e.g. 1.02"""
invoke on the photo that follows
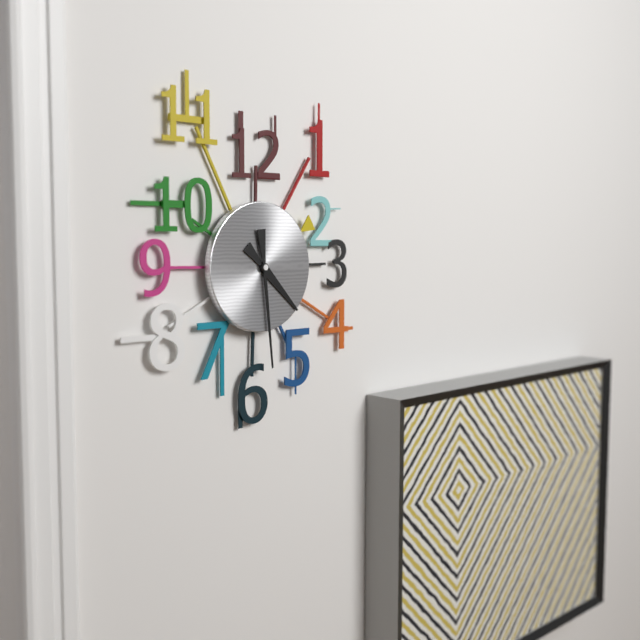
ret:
4.29
